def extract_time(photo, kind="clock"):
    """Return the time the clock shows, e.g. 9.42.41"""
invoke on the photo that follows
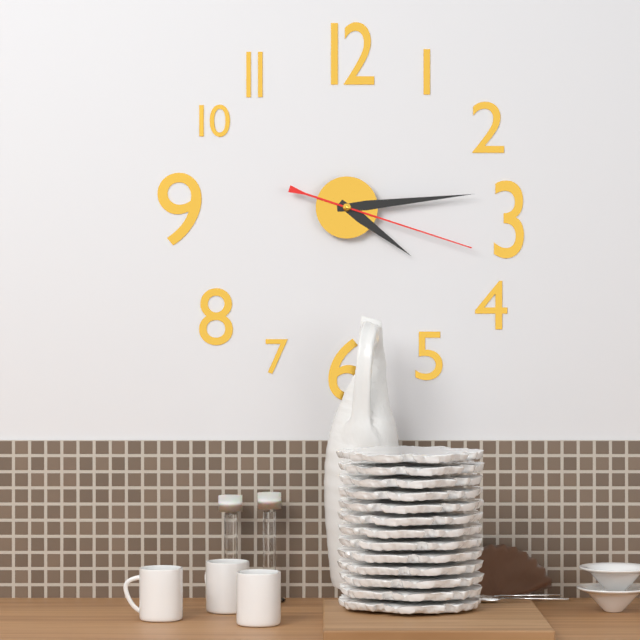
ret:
4.14.18
